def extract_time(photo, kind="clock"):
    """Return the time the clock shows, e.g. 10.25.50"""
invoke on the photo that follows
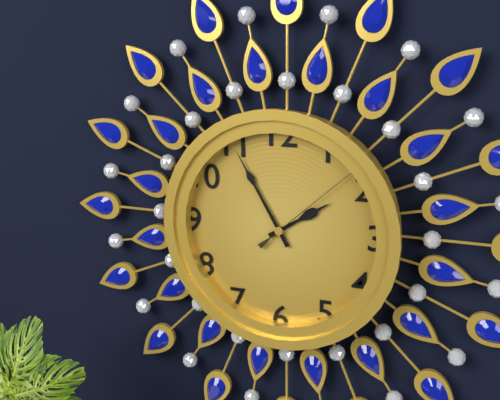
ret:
1.55.08
